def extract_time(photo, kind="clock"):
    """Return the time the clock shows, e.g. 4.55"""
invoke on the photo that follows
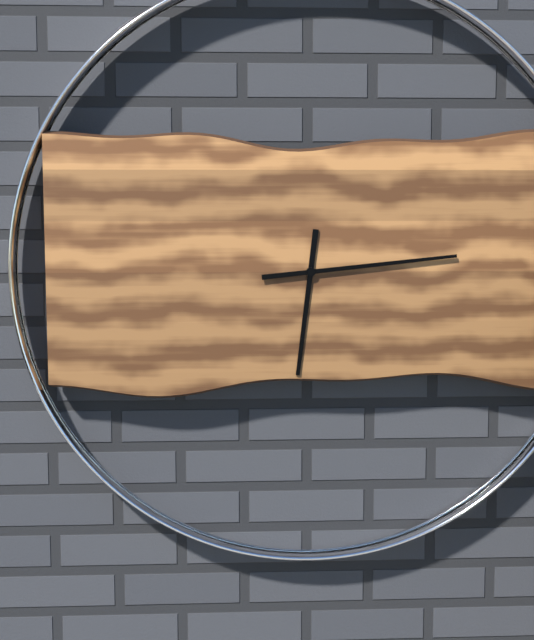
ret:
6.14
